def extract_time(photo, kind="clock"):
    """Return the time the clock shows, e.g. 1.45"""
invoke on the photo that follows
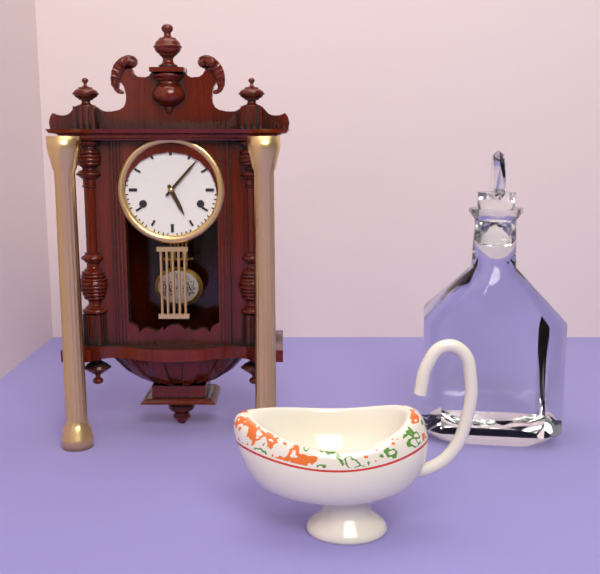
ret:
5.07
